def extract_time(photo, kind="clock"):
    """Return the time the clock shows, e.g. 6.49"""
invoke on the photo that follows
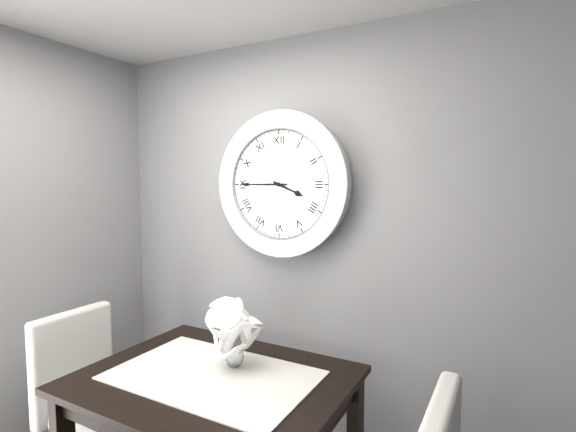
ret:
3.45
